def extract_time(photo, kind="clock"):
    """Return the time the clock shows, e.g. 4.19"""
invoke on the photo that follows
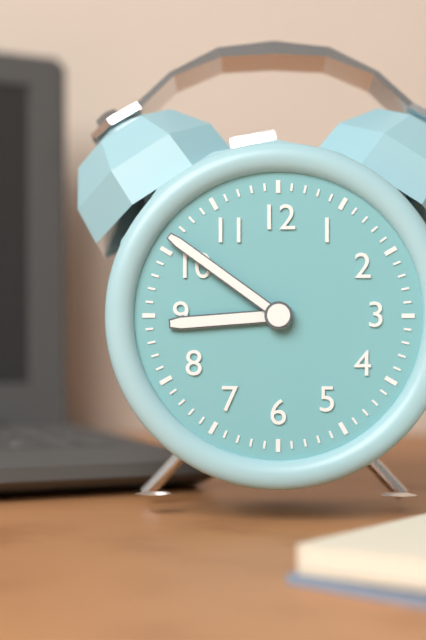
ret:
8.51
